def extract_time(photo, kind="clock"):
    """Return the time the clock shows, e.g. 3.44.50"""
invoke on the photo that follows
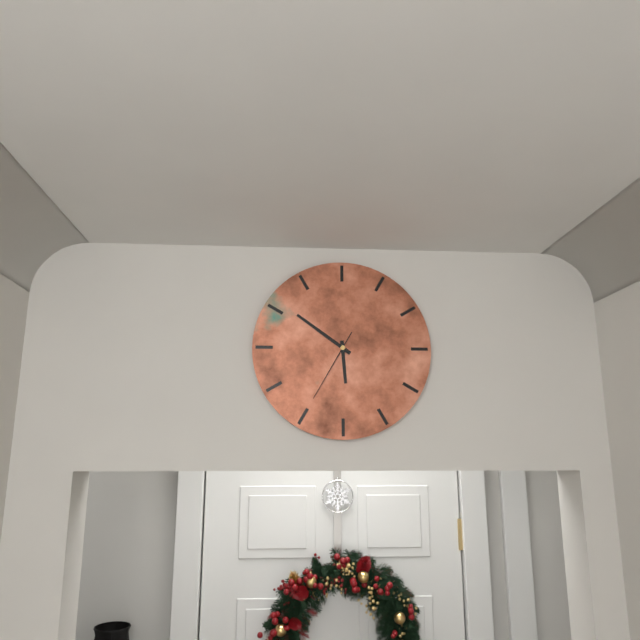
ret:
5.51.35
